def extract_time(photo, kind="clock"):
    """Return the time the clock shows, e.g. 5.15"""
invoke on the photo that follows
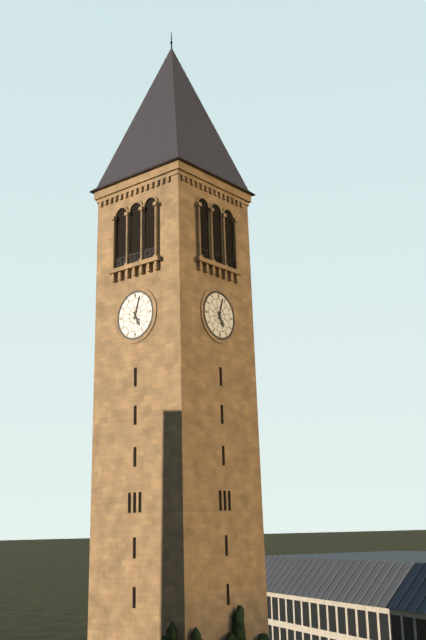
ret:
5.03
